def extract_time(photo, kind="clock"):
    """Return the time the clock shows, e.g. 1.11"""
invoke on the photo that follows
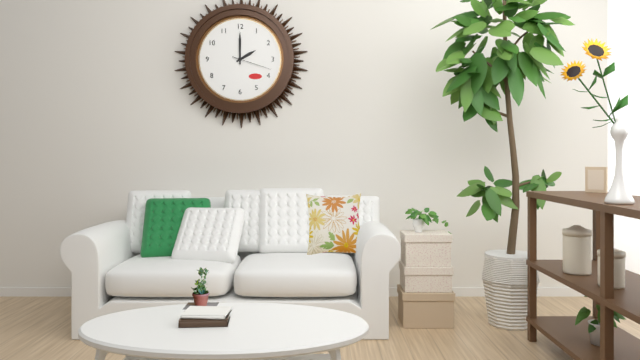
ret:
2.00
